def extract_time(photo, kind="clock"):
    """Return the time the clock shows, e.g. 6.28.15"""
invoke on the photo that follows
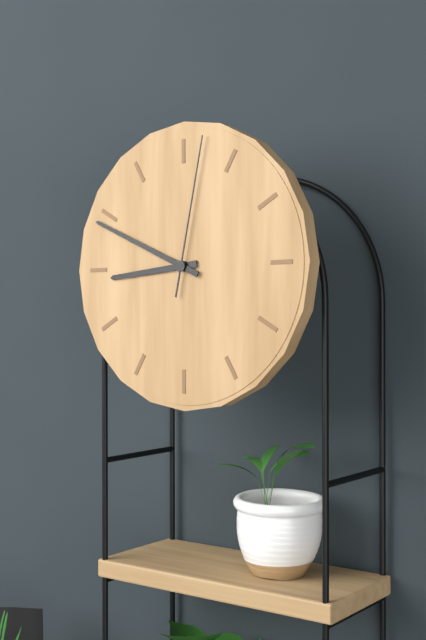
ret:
8.49.02
